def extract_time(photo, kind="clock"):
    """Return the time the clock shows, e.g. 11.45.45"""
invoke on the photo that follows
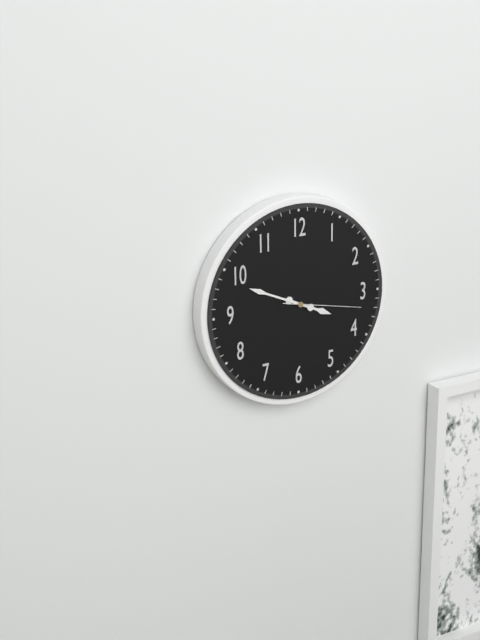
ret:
3.49.17
